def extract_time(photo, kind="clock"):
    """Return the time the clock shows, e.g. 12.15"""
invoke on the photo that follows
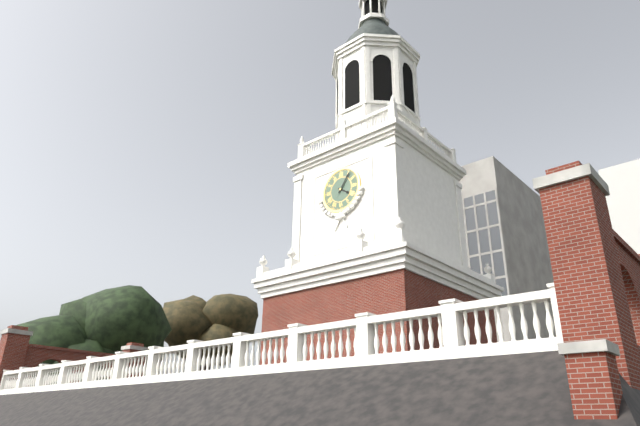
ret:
4.06
